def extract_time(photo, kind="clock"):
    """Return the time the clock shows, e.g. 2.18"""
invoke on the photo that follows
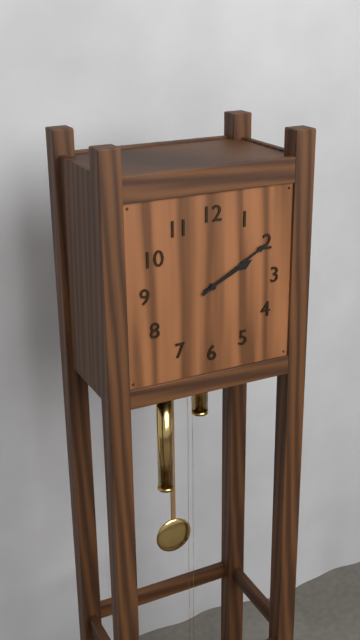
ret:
2.10
